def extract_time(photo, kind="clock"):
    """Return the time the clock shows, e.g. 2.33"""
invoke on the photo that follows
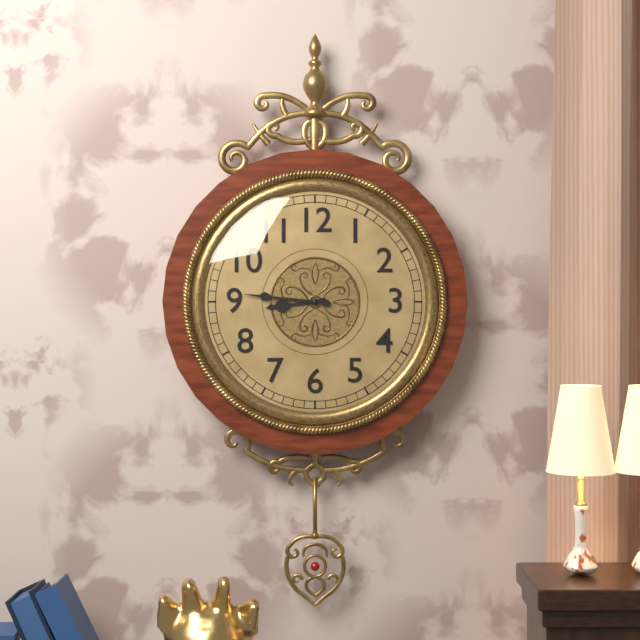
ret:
8.46
